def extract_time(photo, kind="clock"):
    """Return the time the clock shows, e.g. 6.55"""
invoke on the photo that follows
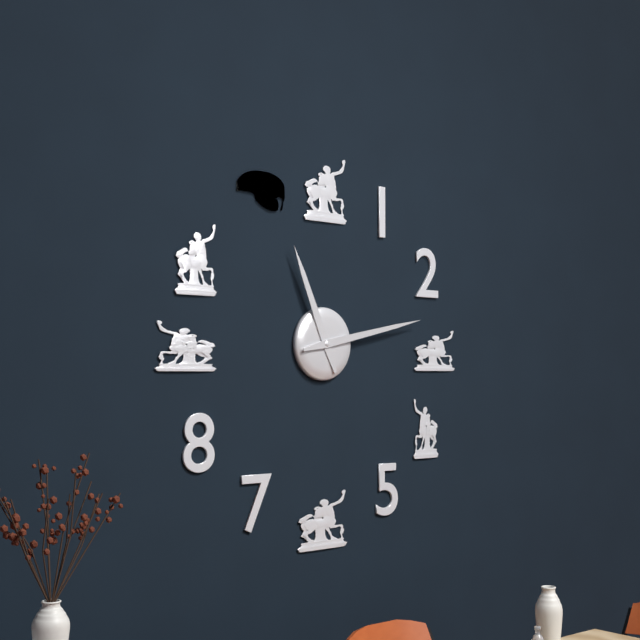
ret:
11.13
